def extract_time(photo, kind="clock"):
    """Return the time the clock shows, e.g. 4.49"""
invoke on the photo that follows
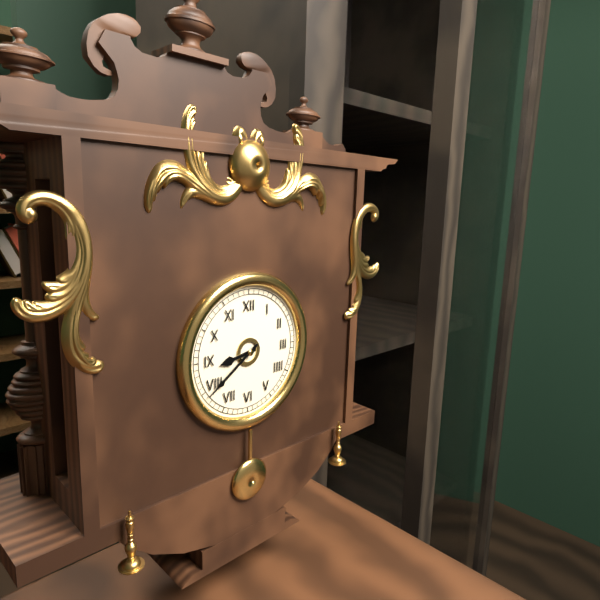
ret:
8.39
